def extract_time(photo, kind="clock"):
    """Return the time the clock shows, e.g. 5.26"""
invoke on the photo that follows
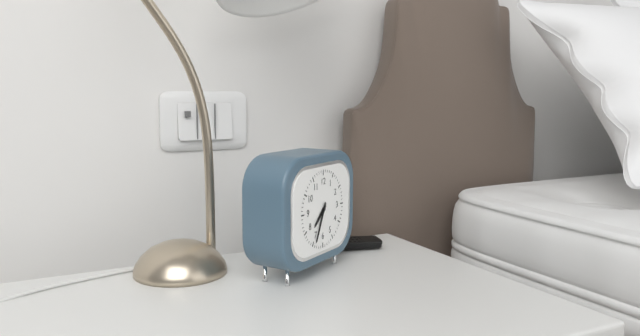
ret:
7.34
